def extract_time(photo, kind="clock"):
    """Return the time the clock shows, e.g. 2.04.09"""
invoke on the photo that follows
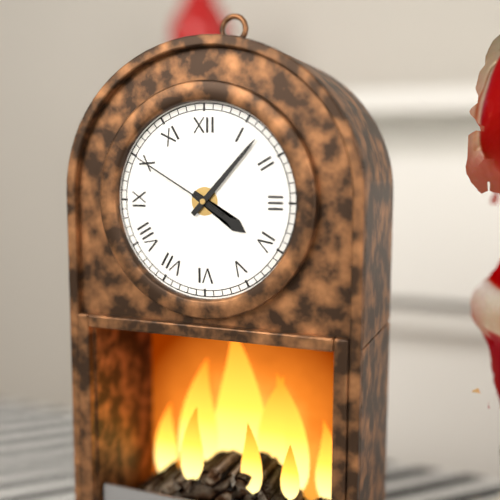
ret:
4.07.50
